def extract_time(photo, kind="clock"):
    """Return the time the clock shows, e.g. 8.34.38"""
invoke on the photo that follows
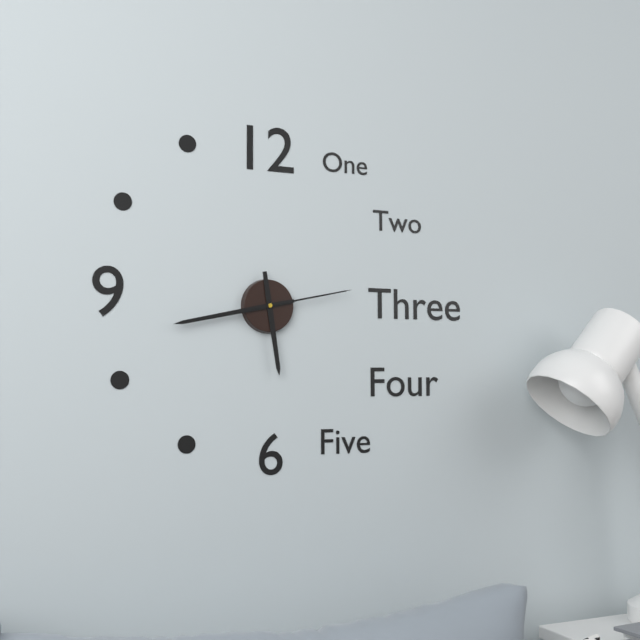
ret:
5.43.13
